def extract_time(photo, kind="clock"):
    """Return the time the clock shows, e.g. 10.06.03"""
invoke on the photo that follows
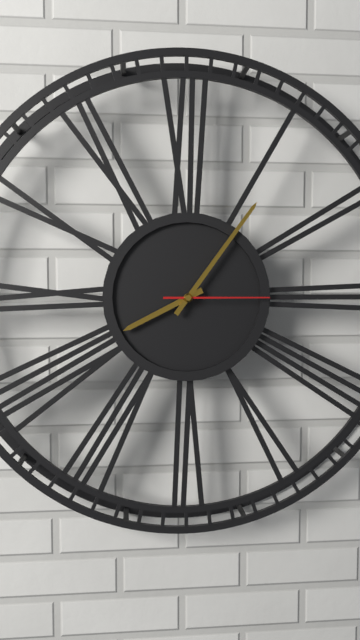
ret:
8.06.15
